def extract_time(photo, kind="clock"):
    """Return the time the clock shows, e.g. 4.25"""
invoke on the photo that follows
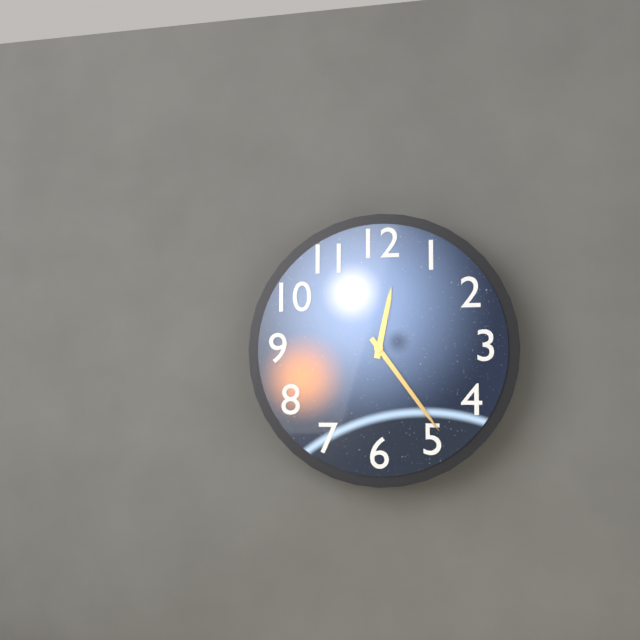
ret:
12.24
